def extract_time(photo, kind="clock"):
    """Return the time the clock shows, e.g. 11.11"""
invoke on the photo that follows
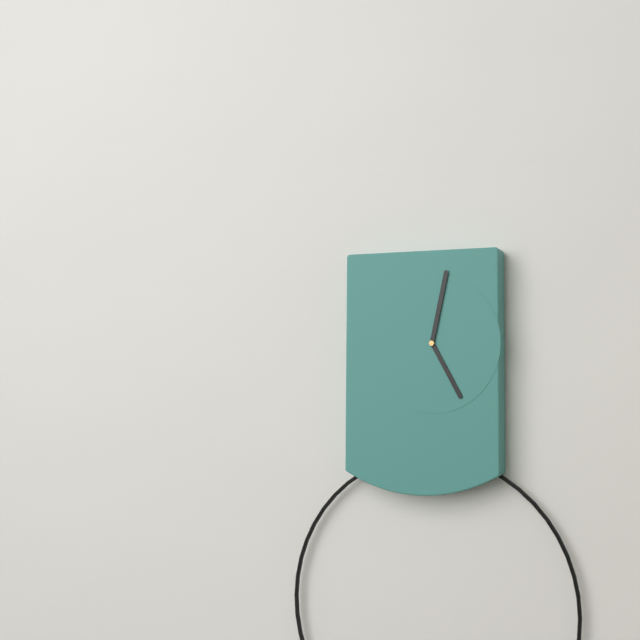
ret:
5.02
